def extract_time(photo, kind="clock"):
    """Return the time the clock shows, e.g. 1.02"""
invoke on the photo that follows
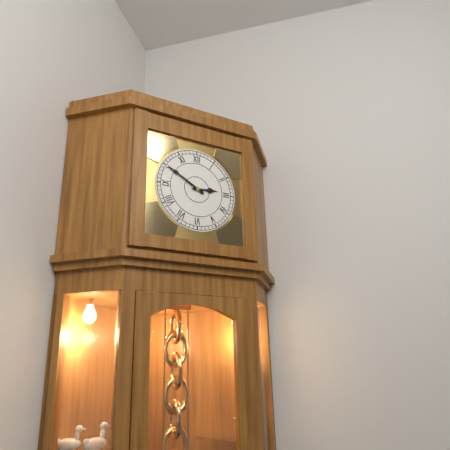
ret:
2.50
